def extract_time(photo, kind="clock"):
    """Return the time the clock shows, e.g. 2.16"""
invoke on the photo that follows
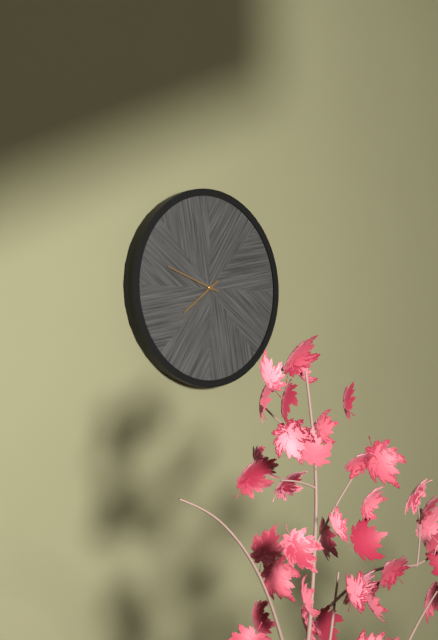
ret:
7.48
